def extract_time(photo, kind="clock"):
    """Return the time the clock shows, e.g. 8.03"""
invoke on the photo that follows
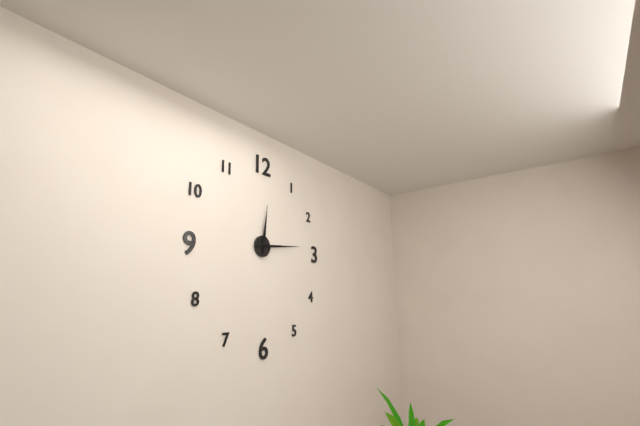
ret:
12.14
